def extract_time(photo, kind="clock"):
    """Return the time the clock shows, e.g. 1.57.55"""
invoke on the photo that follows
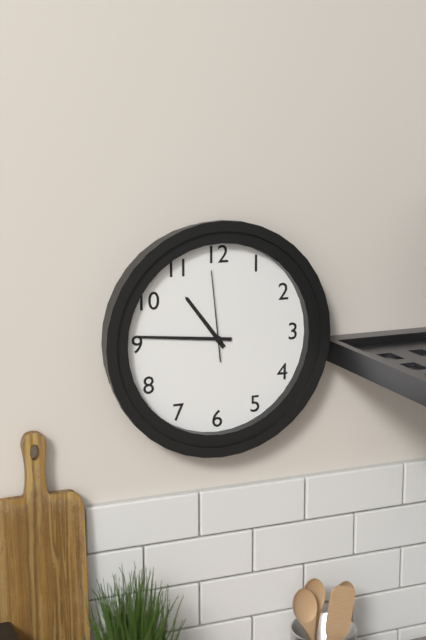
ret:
10.46.59
